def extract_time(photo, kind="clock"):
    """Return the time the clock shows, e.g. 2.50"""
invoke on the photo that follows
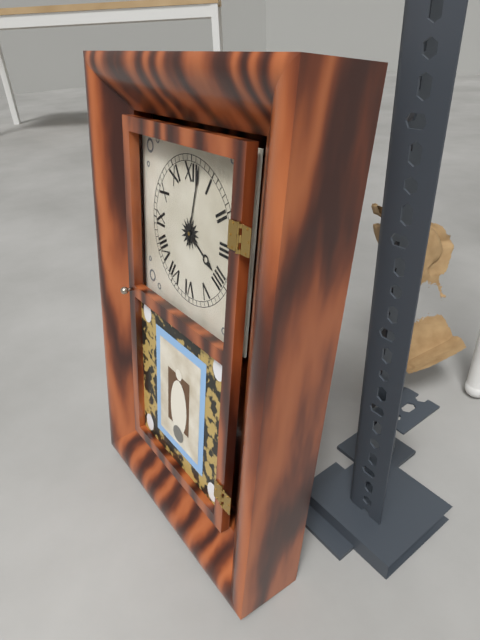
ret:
4.02
